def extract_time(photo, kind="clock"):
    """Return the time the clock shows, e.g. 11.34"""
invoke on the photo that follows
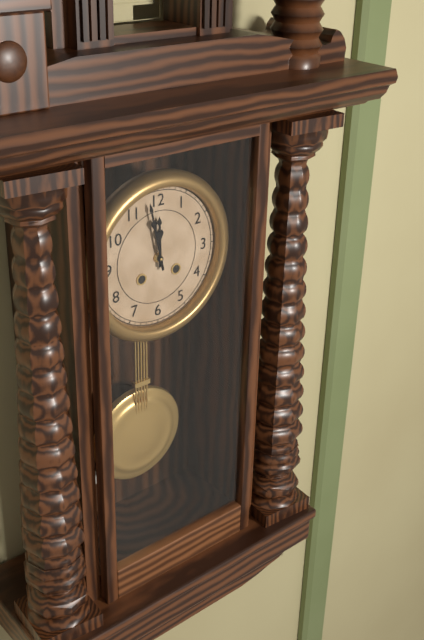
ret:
11.58
